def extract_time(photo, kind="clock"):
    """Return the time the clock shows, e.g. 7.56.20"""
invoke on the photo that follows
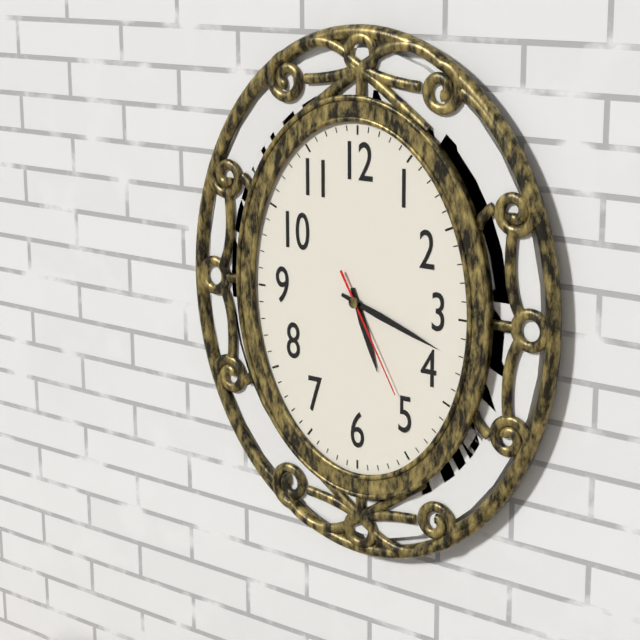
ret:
5.18.25
